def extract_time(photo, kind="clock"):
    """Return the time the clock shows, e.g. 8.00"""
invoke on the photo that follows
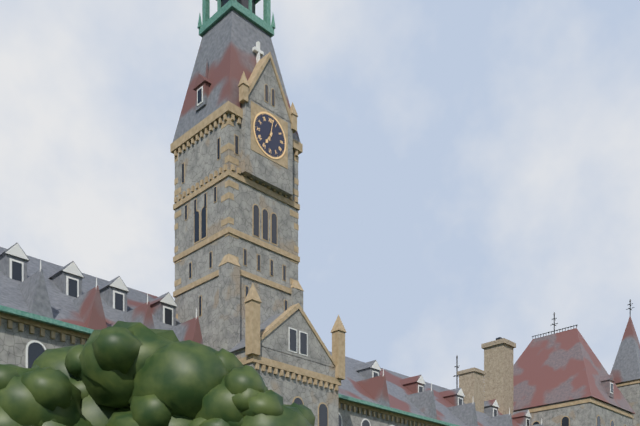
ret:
7.02
